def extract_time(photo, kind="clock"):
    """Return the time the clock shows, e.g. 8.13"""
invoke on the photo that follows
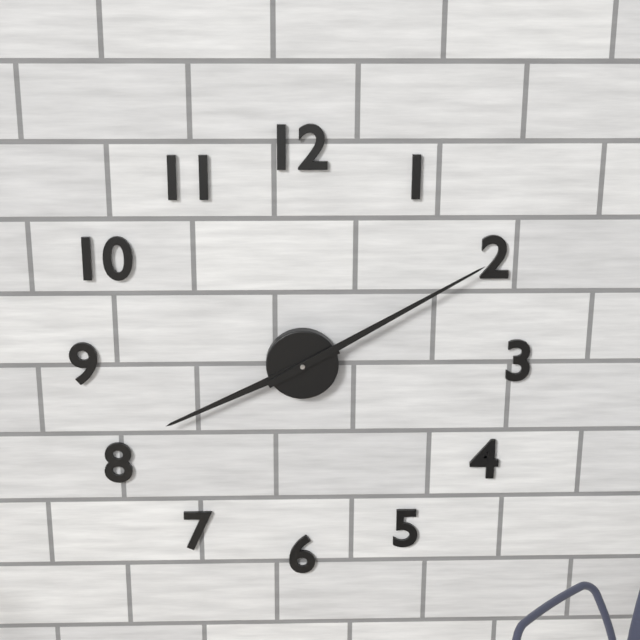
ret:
8.10
